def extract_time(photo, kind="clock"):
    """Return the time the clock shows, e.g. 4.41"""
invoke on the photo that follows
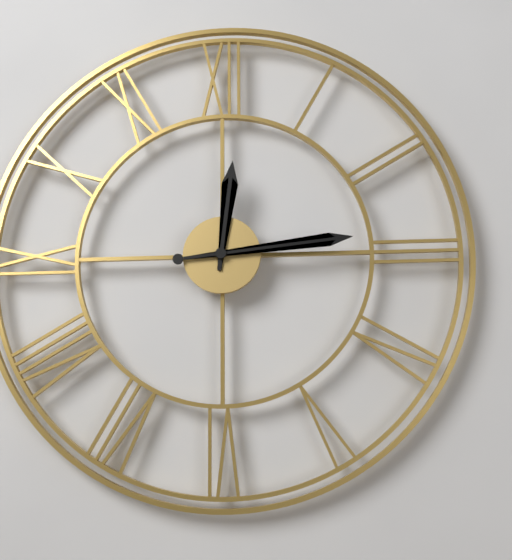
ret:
12.14
